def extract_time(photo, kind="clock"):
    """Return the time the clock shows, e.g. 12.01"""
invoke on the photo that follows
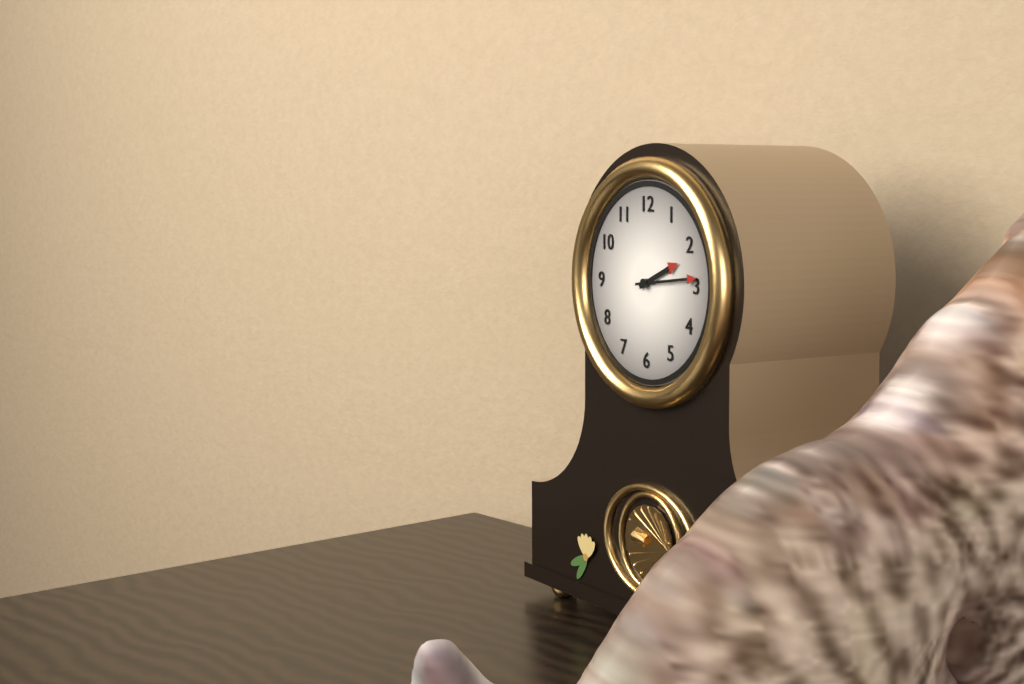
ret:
2.14
